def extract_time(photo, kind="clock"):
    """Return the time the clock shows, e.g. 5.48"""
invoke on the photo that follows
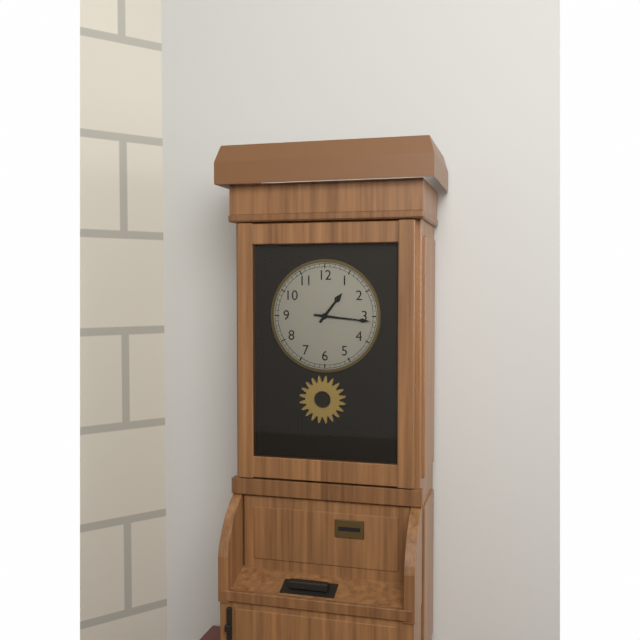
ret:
1.16
